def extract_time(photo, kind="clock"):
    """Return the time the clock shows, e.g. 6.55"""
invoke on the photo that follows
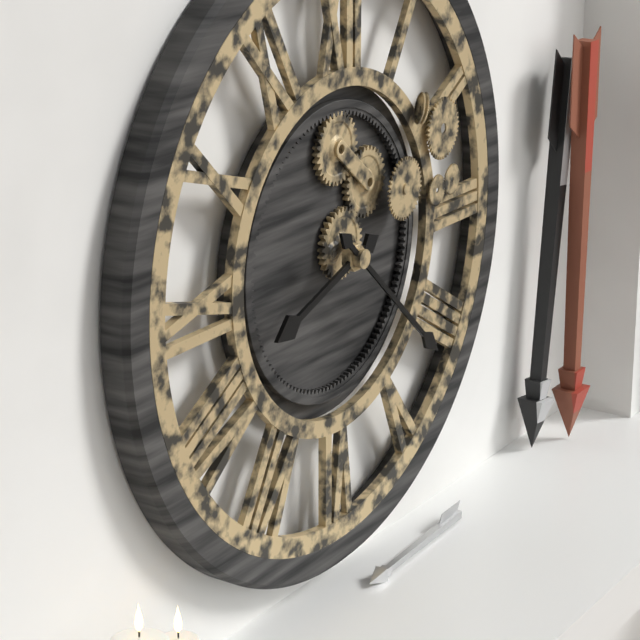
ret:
8.22
